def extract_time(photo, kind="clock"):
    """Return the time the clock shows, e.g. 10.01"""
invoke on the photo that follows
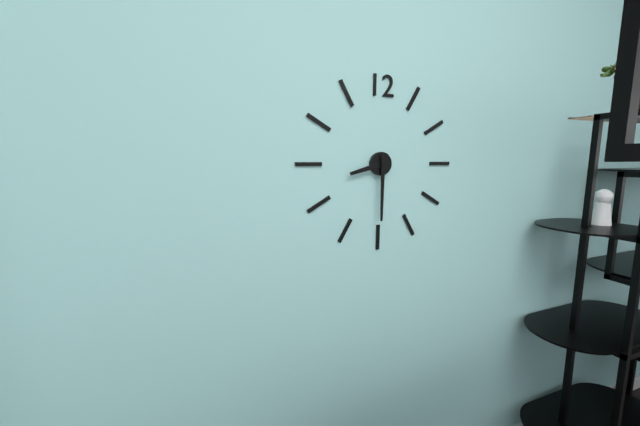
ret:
8.30
